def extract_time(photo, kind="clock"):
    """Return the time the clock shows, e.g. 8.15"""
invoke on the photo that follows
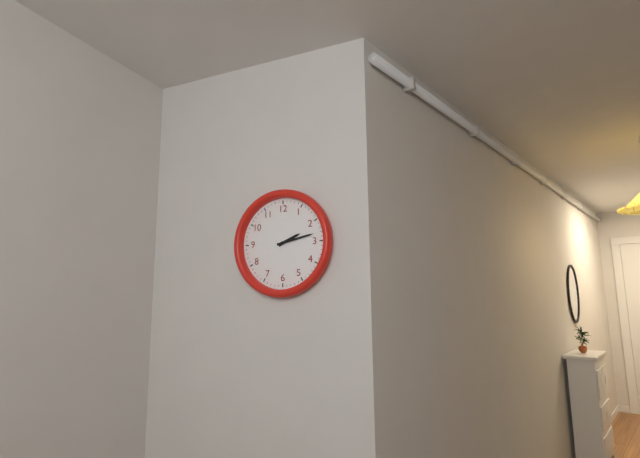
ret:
2.13
